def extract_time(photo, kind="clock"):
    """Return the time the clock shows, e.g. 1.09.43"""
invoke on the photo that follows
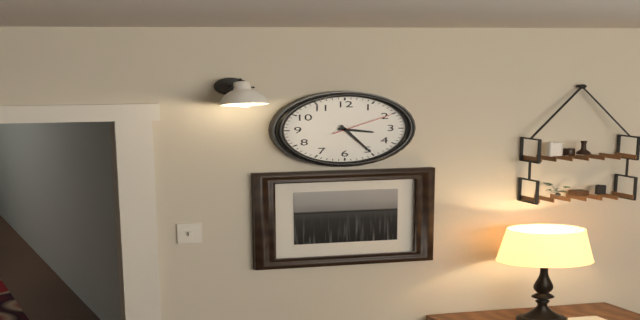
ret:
3.25.10
